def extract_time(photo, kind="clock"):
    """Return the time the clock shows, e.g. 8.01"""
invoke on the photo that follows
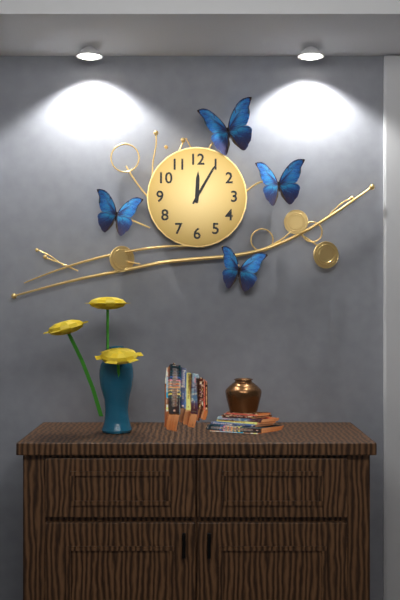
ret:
12.05
